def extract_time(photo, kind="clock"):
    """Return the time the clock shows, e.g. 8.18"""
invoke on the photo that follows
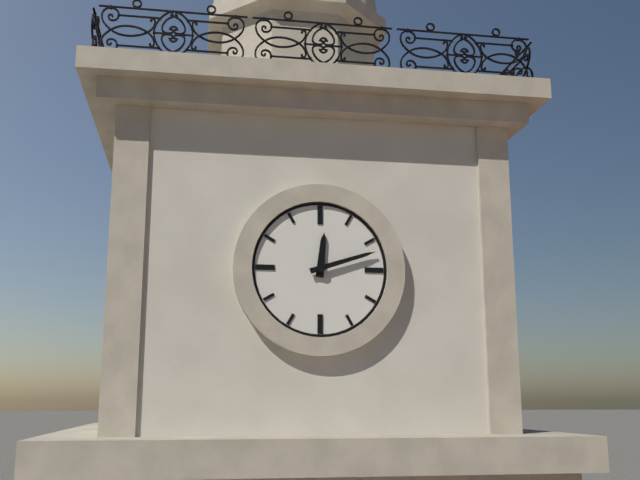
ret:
12.12
